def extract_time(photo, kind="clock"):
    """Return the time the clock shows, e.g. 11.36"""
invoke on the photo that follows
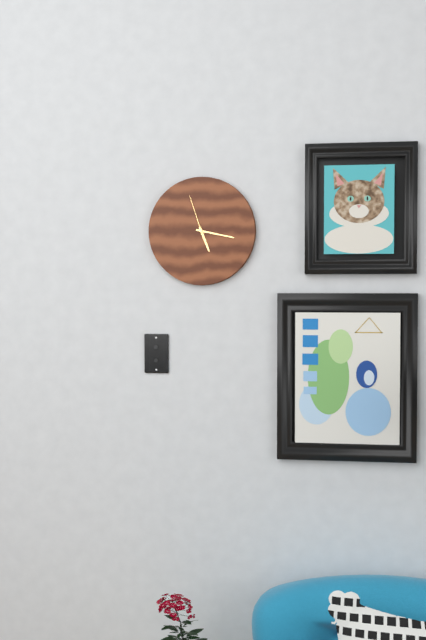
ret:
5.17
